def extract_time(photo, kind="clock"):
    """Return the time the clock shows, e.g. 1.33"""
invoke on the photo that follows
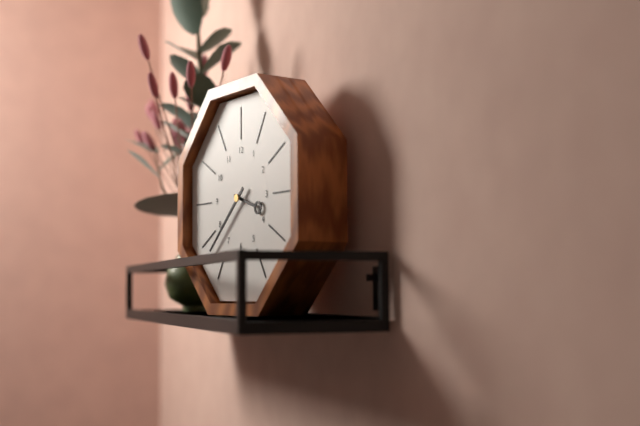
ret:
3.38
